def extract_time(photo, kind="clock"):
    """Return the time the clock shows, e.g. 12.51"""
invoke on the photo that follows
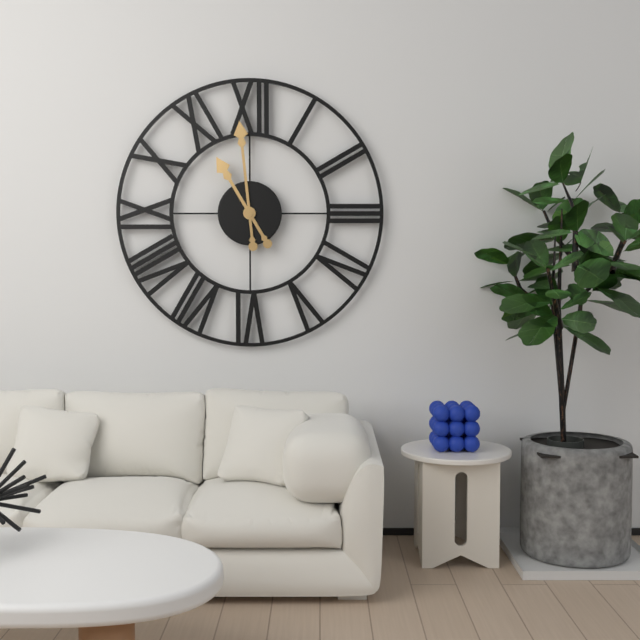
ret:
10.59
